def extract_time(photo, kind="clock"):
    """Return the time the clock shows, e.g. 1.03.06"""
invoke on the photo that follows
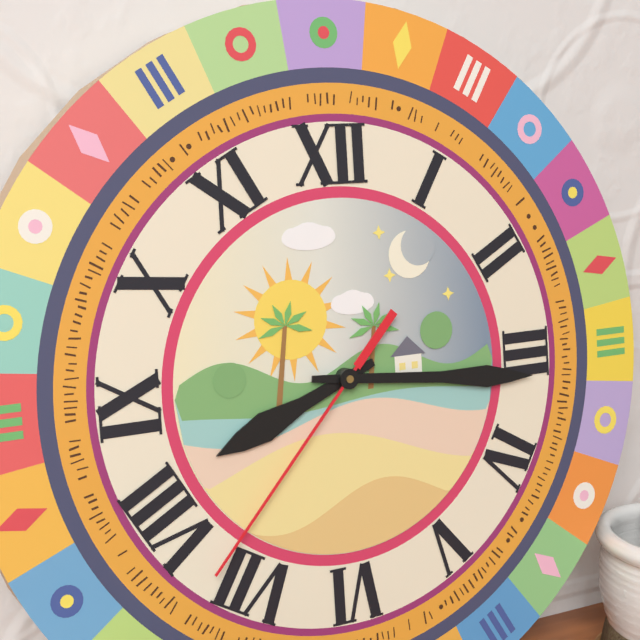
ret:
8.16.37
